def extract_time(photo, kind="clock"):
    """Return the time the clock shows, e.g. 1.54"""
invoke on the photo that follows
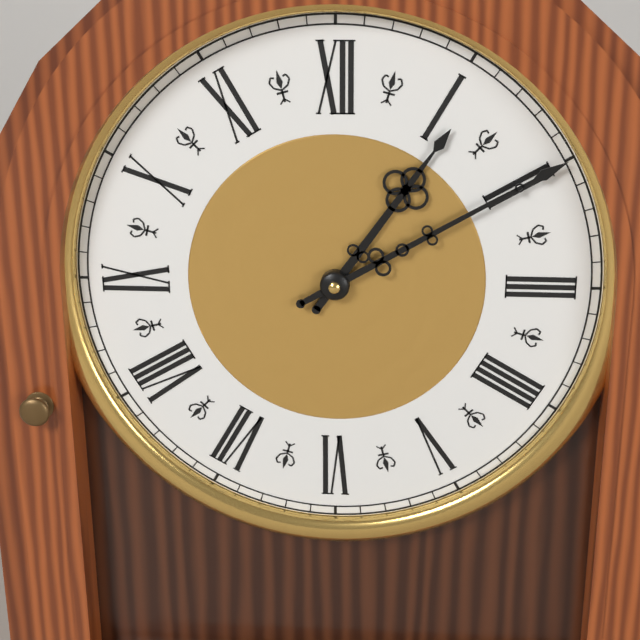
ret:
1.10
